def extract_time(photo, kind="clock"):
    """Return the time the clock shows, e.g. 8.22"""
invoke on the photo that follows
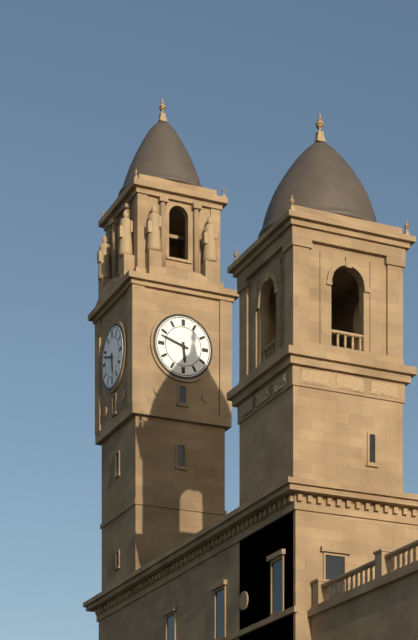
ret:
5.48
